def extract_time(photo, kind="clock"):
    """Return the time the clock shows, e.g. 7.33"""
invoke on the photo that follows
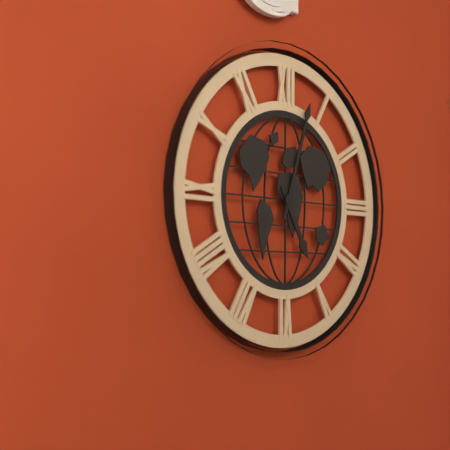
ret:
5.03
